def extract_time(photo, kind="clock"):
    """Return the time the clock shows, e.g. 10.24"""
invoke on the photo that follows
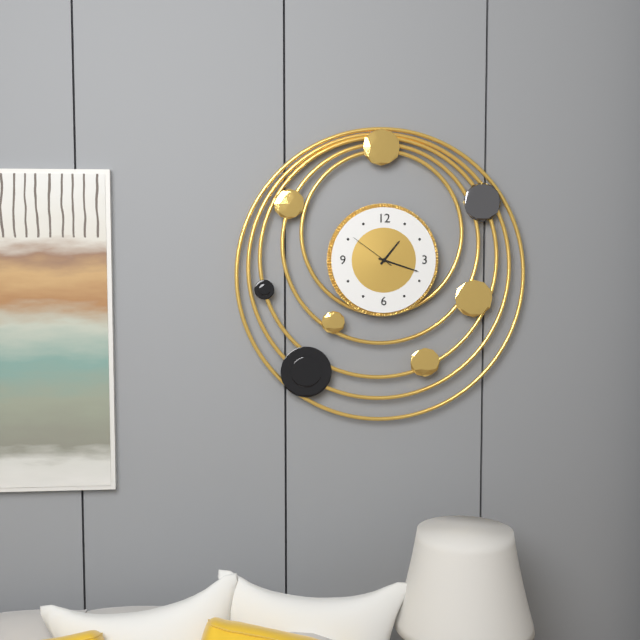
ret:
1.18
